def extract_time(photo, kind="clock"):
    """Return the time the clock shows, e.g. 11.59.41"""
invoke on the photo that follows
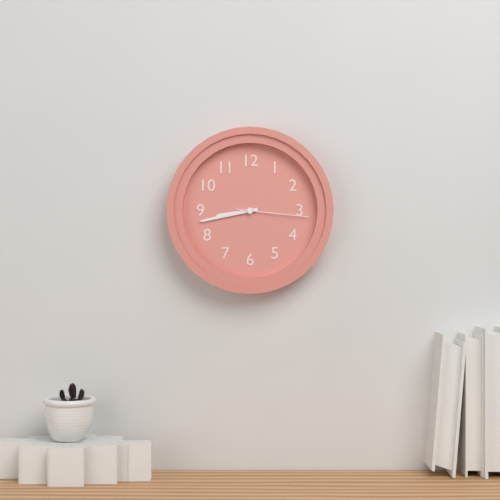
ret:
8.43.16
